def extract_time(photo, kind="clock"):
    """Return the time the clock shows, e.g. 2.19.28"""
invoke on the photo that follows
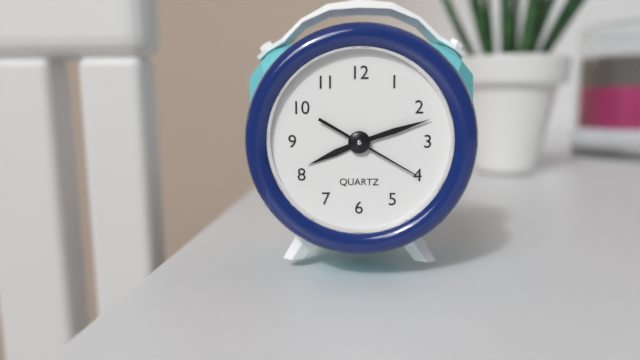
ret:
8.12.20
